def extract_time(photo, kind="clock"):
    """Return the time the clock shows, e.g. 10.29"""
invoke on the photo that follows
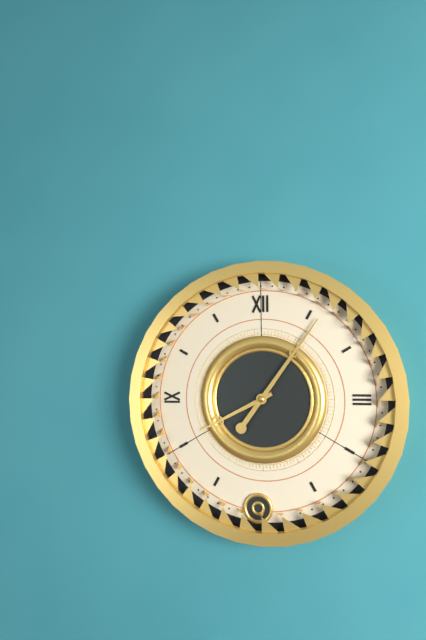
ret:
8.06
